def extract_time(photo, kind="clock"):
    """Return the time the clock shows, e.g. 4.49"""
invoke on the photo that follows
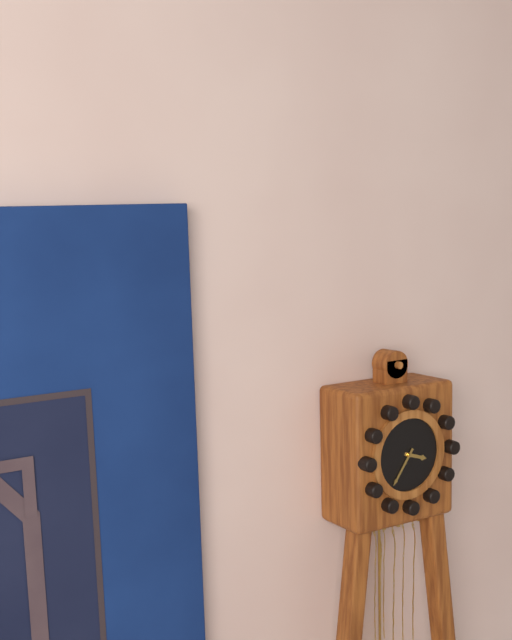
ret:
3.36
